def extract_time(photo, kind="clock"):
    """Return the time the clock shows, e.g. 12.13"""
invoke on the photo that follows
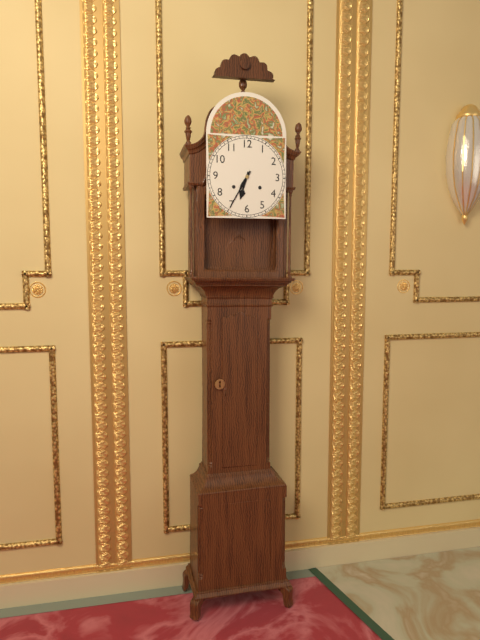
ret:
6.35
